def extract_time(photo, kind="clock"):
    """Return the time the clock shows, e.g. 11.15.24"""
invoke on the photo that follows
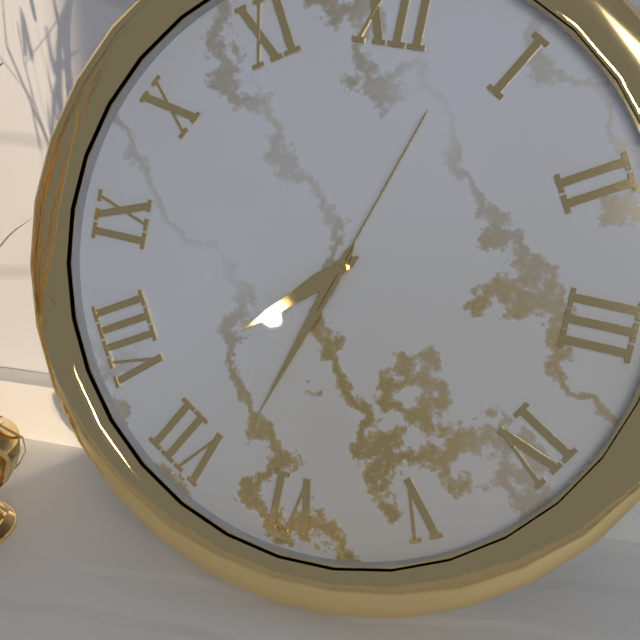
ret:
7.33.03
